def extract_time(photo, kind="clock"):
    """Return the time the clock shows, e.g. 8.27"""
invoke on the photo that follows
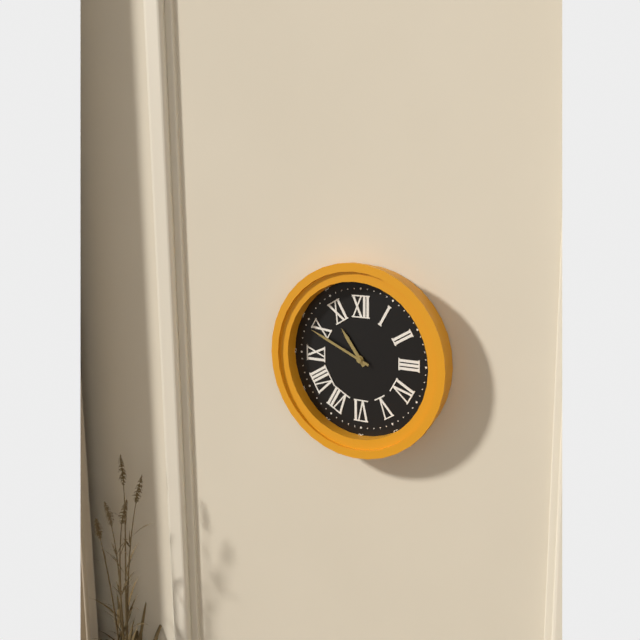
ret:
10.49
